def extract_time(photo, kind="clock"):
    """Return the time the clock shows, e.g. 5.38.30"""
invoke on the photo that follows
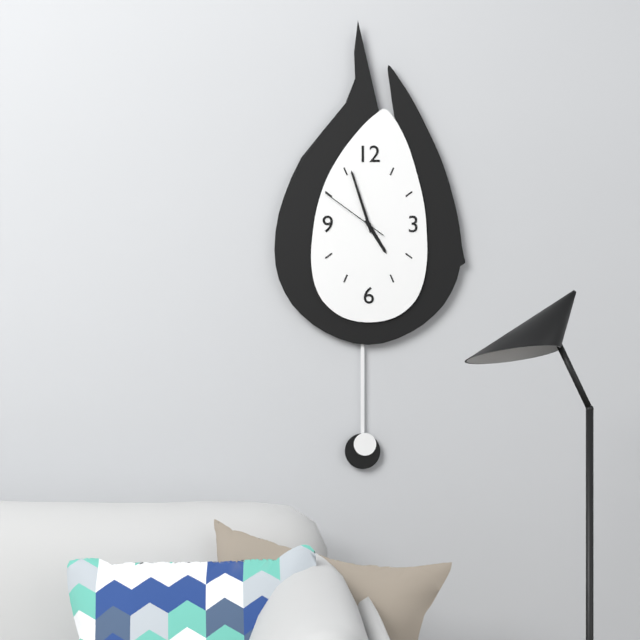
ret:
4.57.51
